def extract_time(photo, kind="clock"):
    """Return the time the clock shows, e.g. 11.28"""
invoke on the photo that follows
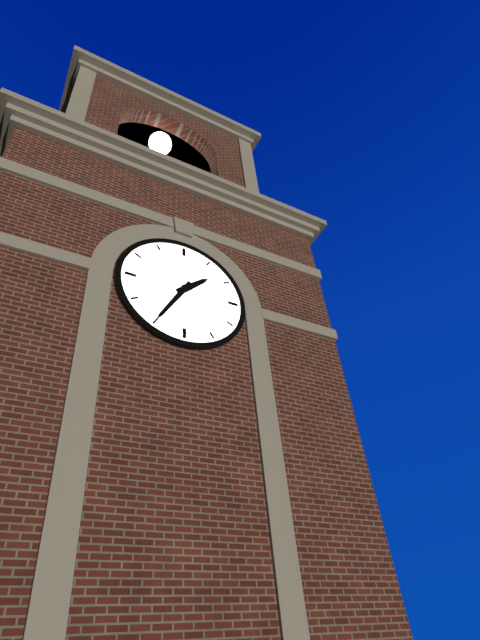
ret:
1.35
